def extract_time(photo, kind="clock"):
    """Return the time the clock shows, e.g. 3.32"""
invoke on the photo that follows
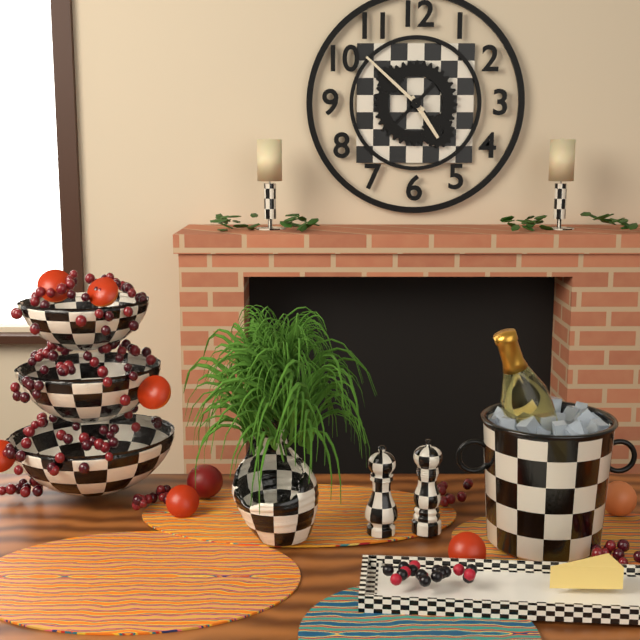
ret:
4.52
